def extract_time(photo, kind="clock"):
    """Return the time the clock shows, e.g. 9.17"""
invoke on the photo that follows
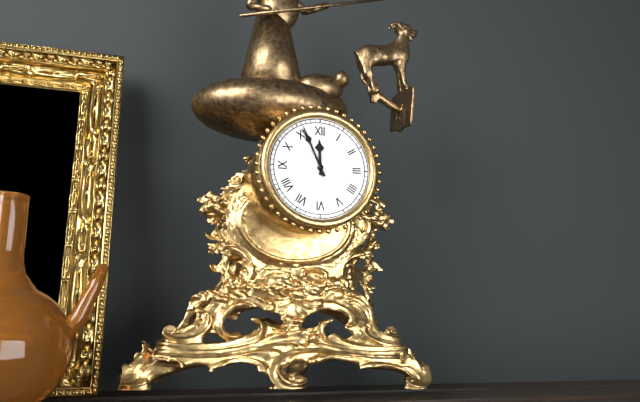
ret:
11.56
